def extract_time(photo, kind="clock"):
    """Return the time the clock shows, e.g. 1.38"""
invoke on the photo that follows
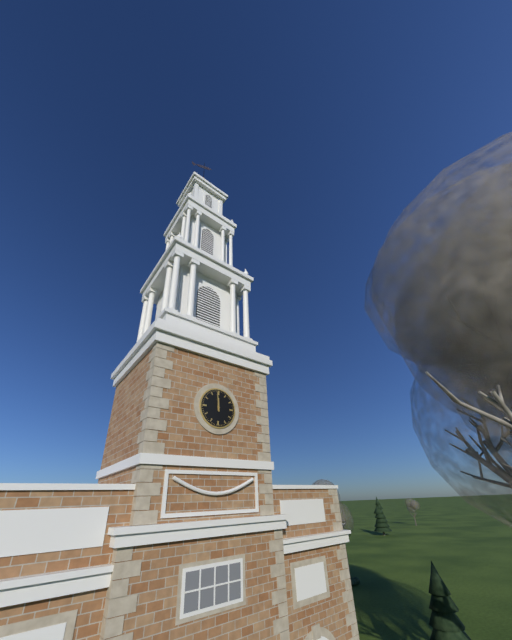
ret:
11.59
